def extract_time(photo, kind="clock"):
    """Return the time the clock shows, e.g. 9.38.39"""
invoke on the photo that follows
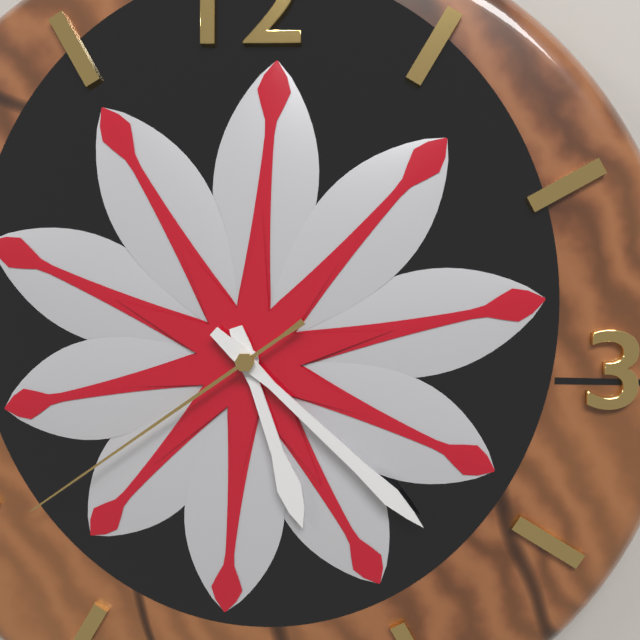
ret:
5.22.39
